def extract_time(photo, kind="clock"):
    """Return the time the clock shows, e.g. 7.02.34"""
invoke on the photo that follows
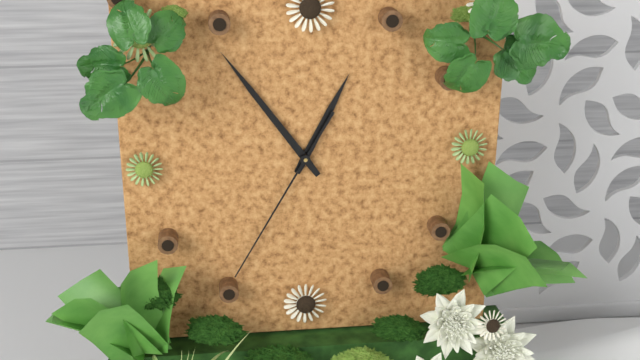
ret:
12.54.35
